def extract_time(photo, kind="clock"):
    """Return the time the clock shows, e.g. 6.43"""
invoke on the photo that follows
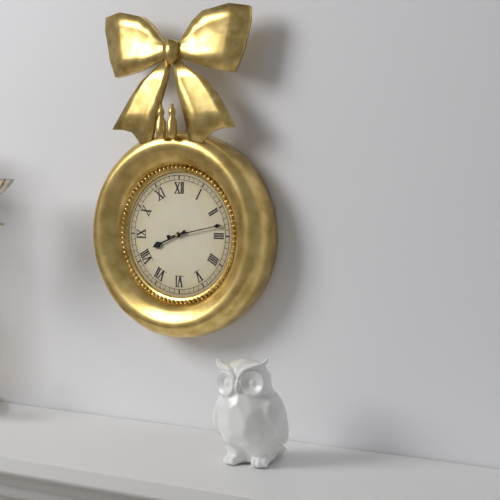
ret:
8.13
